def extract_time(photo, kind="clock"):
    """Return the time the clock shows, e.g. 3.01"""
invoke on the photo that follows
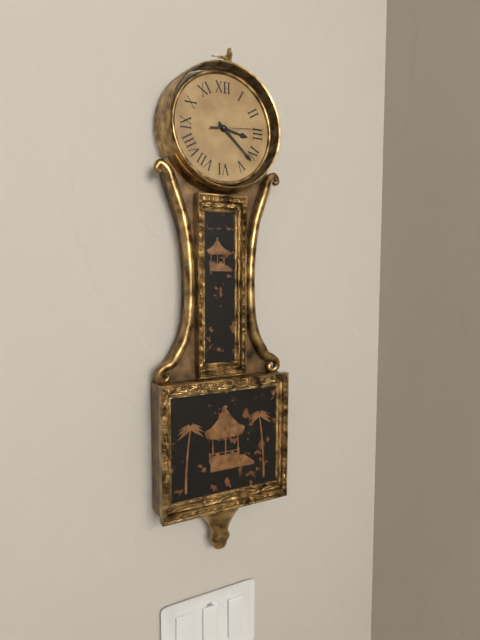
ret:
3.22
